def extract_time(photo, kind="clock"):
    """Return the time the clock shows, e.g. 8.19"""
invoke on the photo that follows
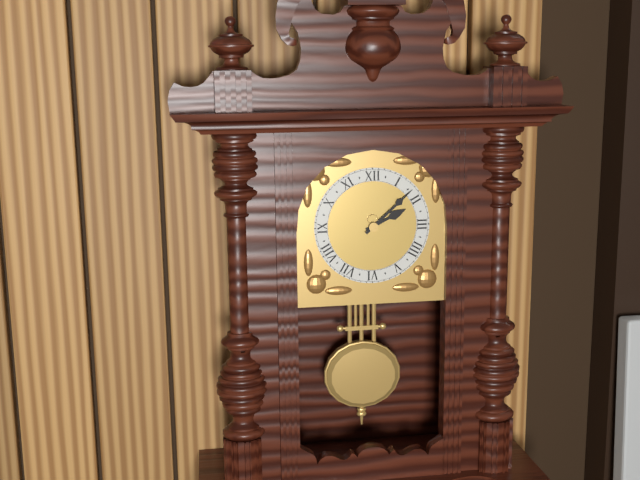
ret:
2.08
